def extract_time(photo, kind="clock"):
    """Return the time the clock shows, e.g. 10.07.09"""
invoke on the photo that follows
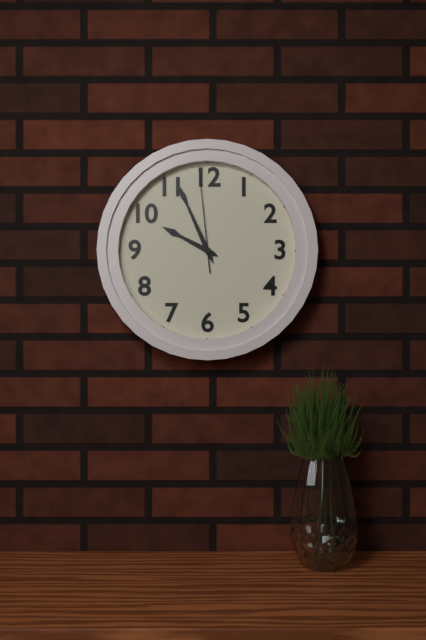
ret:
9.56.59
